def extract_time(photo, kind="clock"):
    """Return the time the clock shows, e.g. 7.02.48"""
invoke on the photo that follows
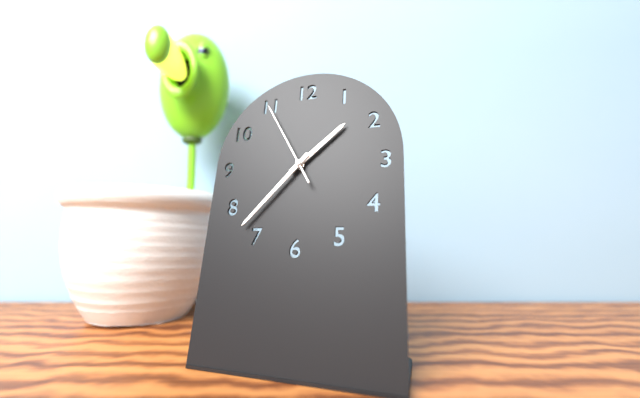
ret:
1.37.55
